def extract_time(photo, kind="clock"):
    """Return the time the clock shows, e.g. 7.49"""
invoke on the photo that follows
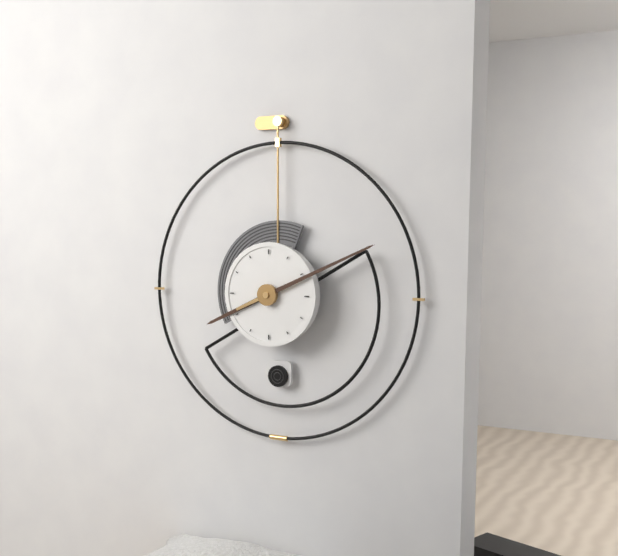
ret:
8.11
